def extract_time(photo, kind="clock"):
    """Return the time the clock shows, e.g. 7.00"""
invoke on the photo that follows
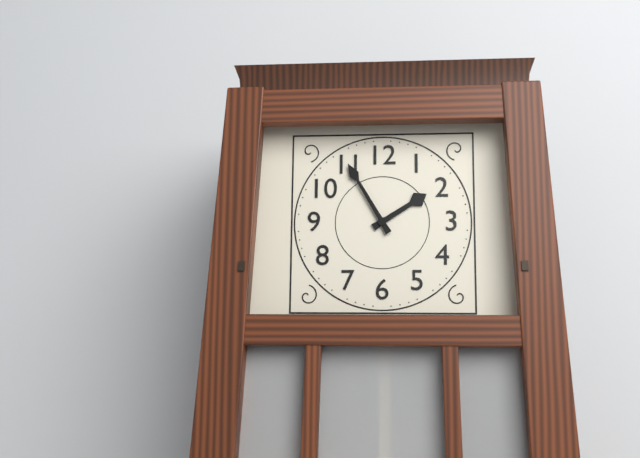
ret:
1.55
